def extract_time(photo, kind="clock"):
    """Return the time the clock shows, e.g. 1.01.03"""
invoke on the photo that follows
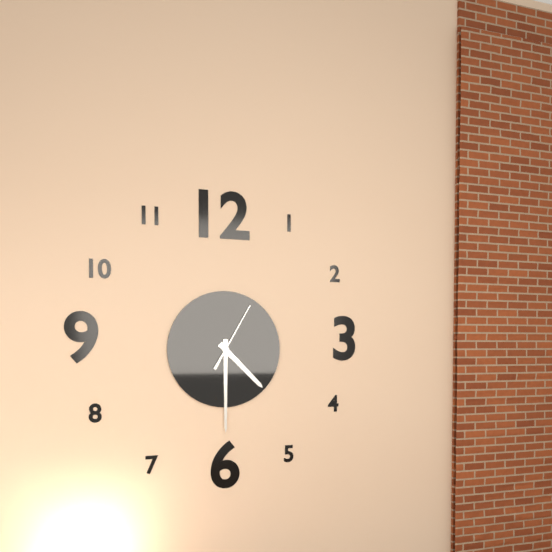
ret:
4.30.05
